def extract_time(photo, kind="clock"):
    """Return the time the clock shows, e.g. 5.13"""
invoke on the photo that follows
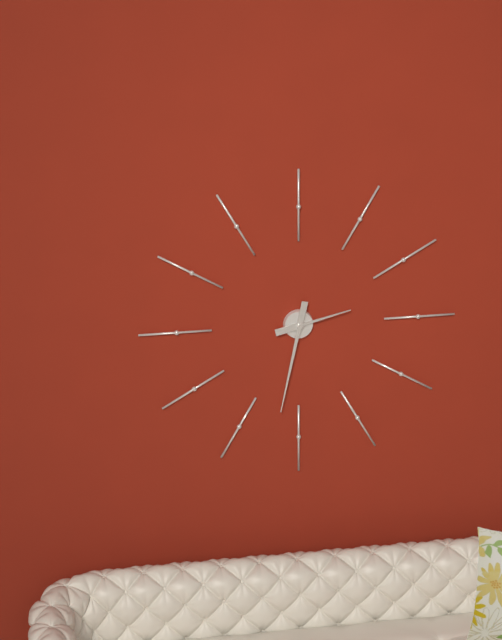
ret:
2.32
